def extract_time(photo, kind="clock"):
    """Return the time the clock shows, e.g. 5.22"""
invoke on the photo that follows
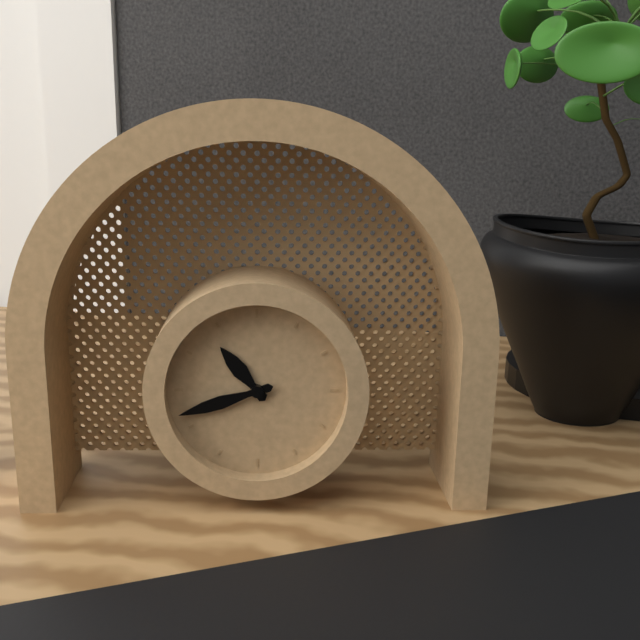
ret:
10.42
